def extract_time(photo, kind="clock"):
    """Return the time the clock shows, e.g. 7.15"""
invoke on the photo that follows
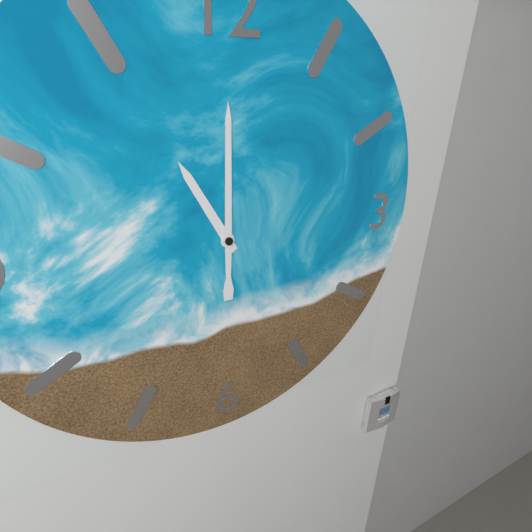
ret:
11.00
